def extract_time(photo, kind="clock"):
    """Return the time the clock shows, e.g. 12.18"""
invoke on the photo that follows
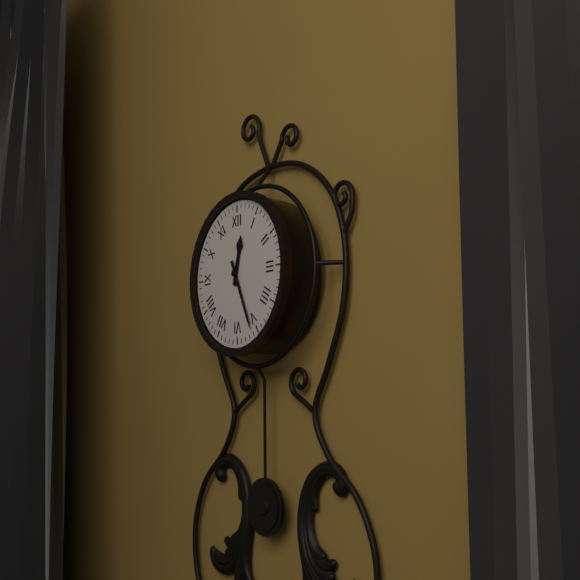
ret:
12.26
